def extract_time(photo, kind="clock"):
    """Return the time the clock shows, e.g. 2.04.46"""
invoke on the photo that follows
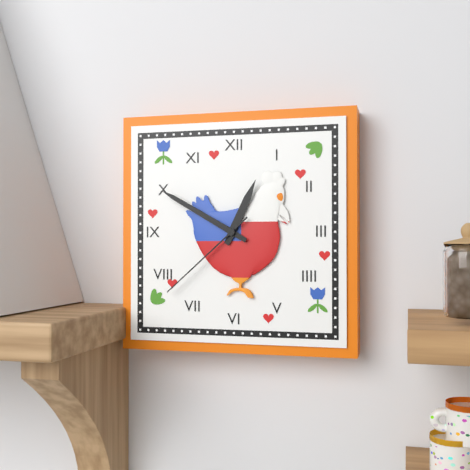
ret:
12.50.38
